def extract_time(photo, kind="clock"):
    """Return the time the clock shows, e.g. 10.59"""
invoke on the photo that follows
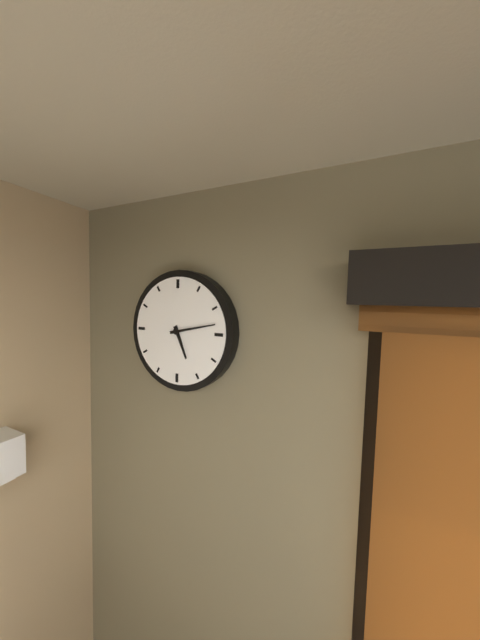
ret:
5.13
